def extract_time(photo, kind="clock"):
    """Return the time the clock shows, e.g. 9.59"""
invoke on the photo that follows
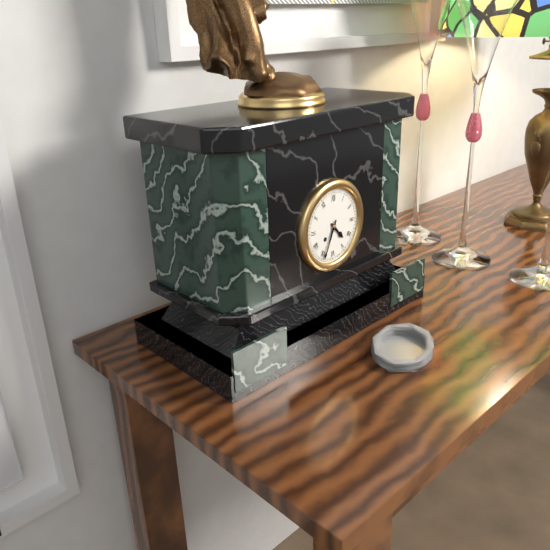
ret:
4.34
